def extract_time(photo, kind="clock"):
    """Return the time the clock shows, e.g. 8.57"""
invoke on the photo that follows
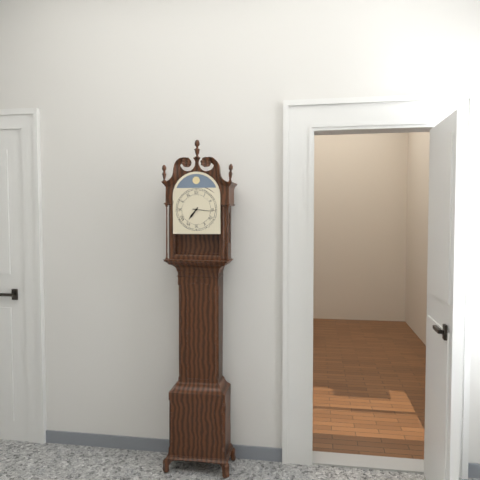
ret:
7.16
